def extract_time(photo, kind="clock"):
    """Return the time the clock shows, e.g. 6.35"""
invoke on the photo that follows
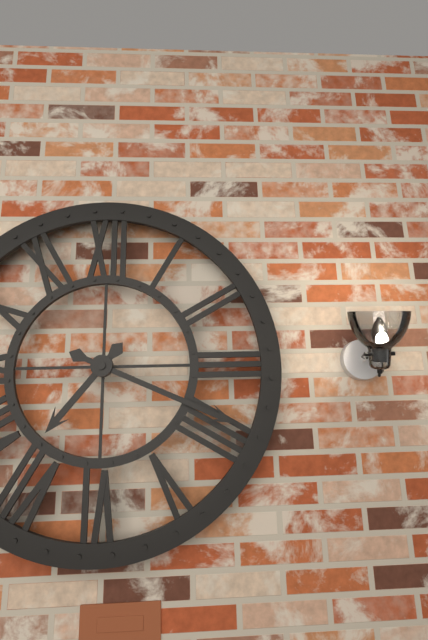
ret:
7.19
